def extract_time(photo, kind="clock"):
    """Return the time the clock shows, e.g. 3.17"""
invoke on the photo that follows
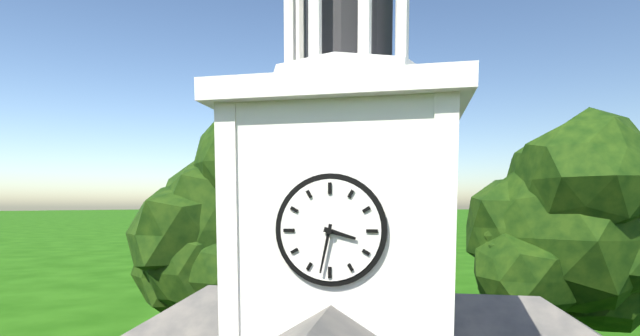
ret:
3.32
